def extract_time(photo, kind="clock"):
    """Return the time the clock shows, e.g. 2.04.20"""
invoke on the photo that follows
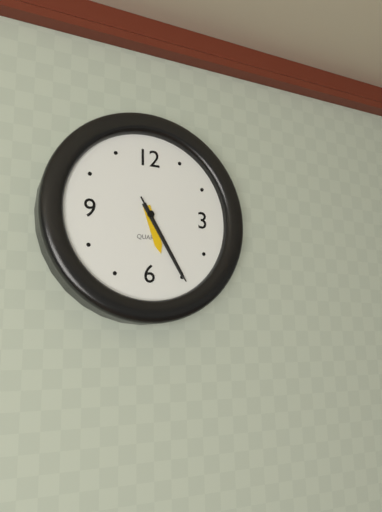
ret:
5.25.25
